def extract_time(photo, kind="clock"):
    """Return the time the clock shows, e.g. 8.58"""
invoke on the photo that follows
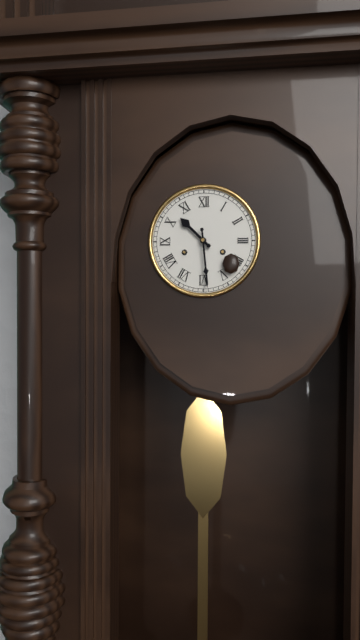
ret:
10.29
